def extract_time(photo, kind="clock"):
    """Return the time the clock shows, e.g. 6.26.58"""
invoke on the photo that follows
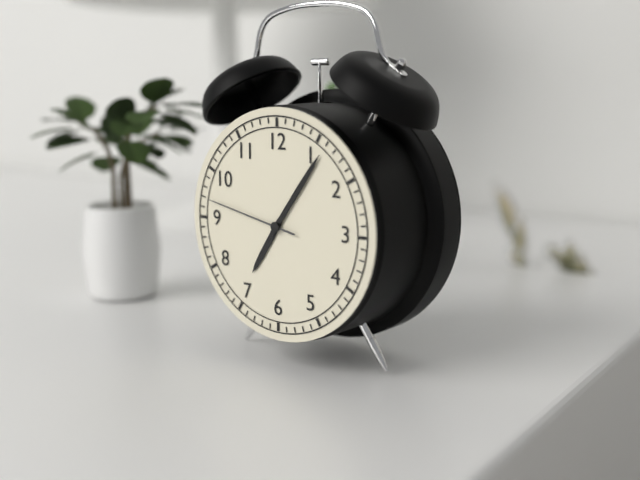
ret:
7.06.47
